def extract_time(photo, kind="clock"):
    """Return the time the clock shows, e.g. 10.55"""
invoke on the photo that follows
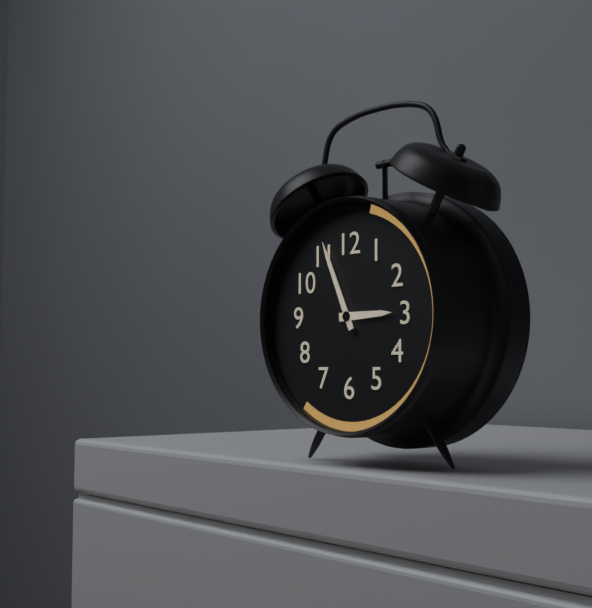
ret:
2.56
